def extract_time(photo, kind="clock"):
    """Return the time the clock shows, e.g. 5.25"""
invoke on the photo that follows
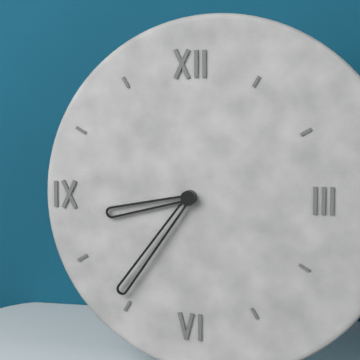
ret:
8.36
